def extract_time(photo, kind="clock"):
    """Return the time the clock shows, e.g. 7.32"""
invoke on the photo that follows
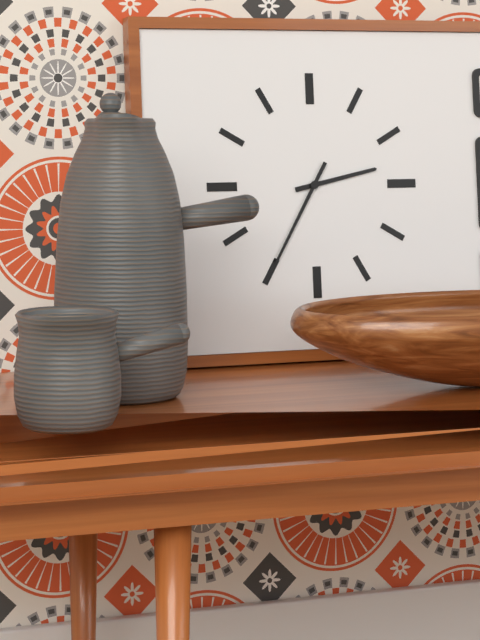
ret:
2.35
